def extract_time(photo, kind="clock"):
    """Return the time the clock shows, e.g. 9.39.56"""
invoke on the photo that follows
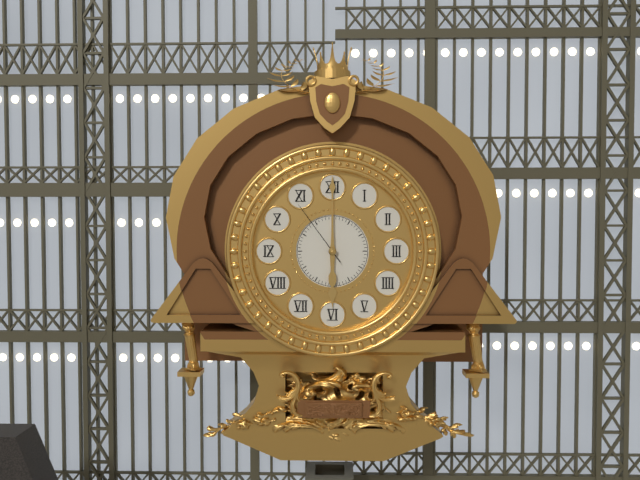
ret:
6.00.54
